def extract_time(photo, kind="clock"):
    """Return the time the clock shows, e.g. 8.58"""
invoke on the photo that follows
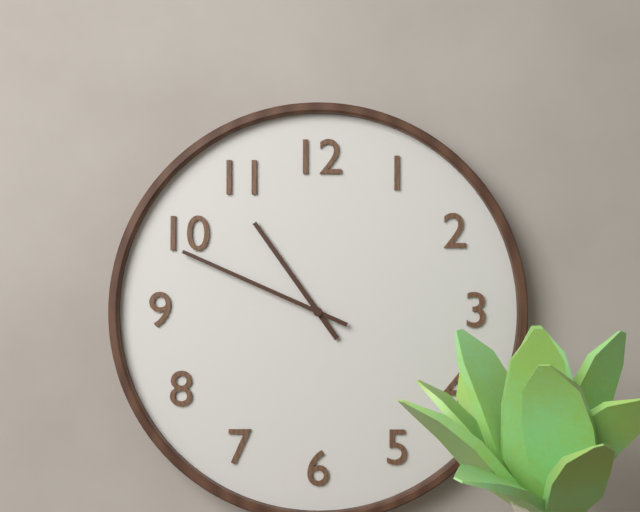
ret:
10.49
